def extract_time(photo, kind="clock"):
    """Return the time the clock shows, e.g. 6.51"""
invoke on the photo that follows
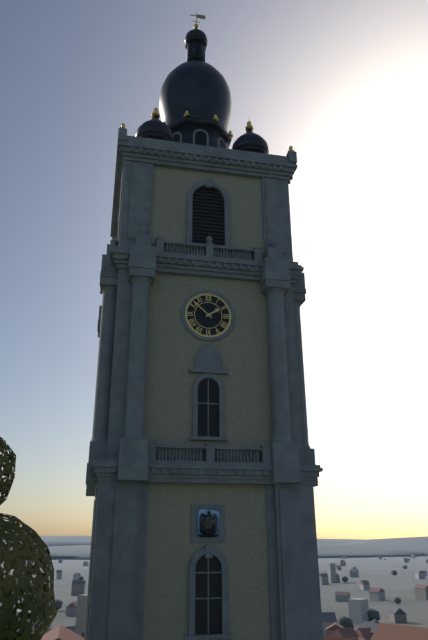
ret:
1.52
